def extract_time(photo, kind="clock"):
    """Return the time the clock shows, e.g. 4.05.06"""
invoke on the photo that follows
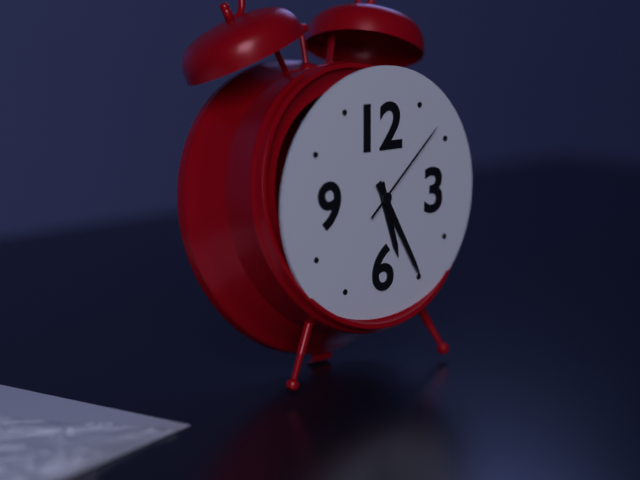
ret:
5.25.08
